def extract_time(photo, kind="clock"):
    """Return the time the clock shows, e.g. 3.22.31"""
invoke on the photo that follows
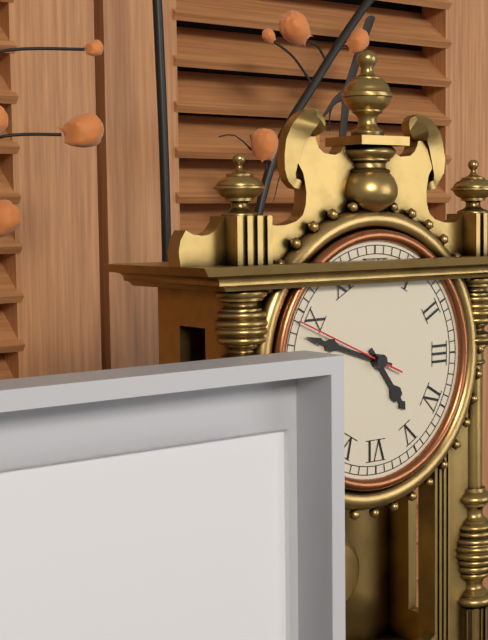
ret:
4.48.49
